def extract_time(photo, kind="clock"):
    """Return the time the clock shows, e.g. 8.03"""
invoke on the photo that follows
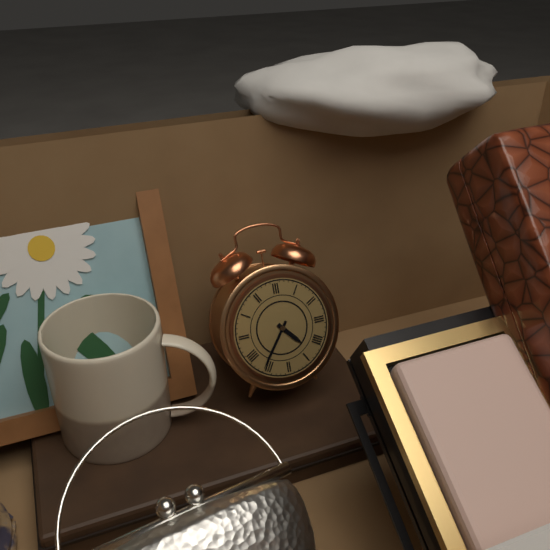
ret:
4.36
